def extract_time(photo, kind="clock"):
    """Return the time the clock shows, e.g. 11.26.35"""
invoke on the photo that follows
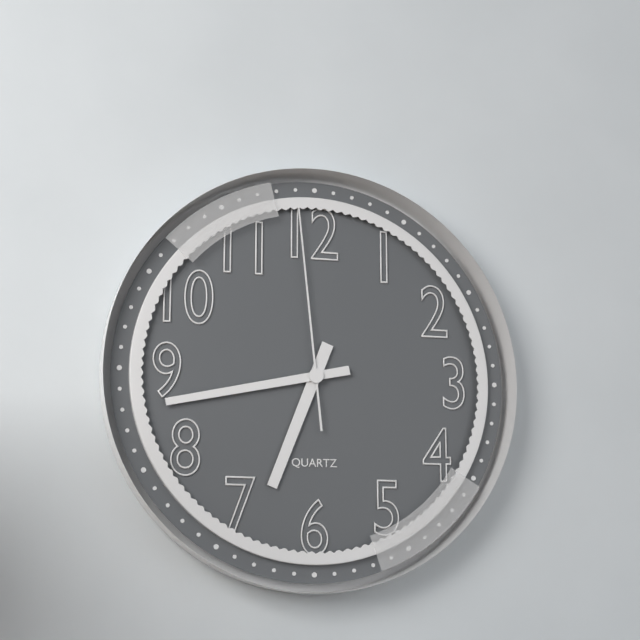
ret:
6.43.59
